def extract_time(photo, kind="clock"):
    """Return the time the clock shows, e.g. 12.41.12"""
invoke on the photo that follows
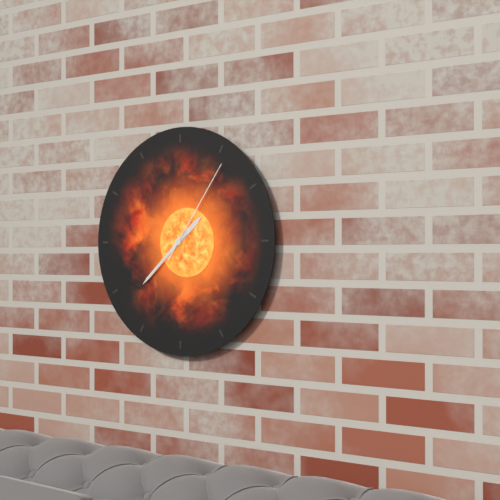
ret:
1.38.06
